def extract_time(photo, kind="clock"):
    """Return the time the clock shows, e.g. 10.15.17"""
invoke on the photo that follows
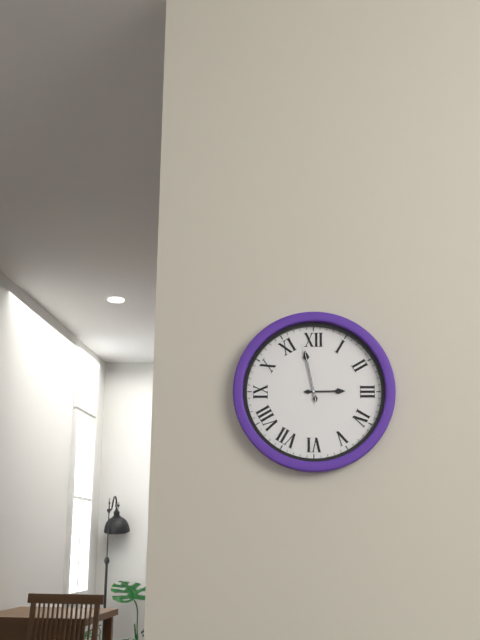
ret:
2.58.58
